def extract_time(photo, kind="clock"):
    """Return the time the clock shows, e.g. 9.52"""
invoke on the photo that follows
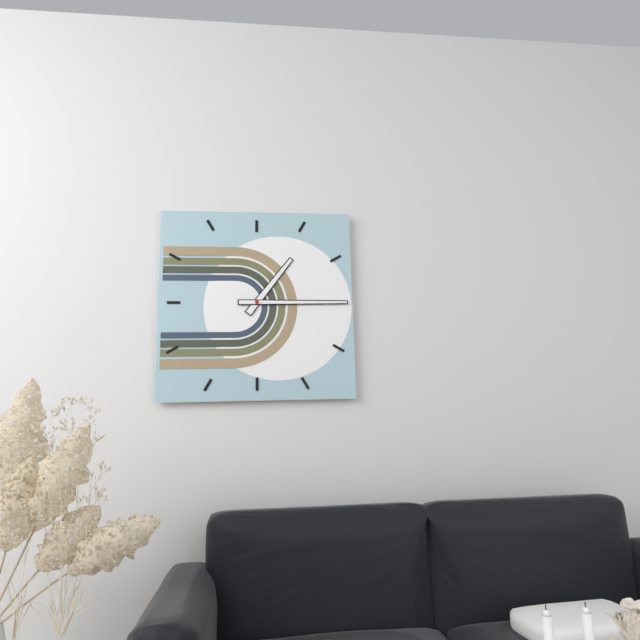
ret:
1.15
